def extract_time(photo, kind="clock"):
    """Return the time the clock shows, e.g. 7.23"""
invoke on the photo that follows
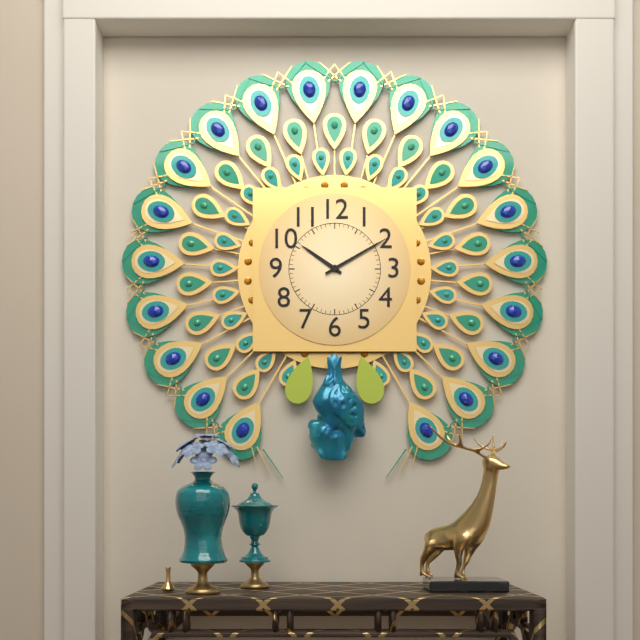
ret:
10.10
